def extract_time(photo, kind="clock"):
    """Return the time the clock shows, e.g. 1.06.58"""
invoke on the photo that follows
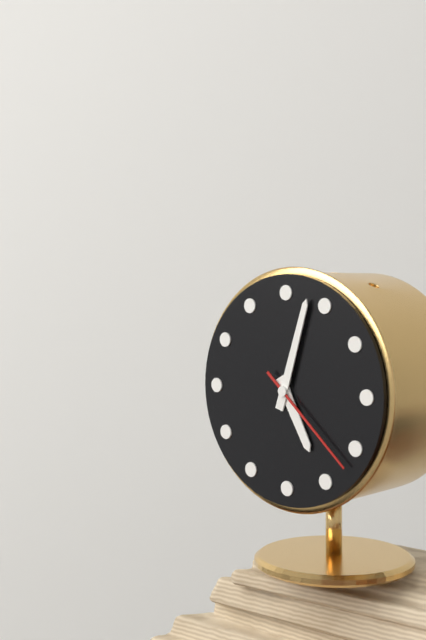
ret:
5.03.22
